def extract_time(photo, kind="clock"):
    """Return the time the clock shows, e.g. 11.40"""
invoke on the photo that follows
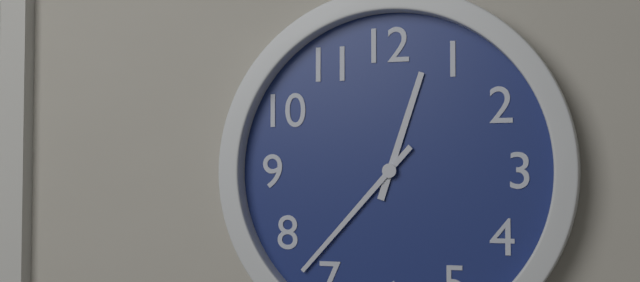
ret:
12.37
